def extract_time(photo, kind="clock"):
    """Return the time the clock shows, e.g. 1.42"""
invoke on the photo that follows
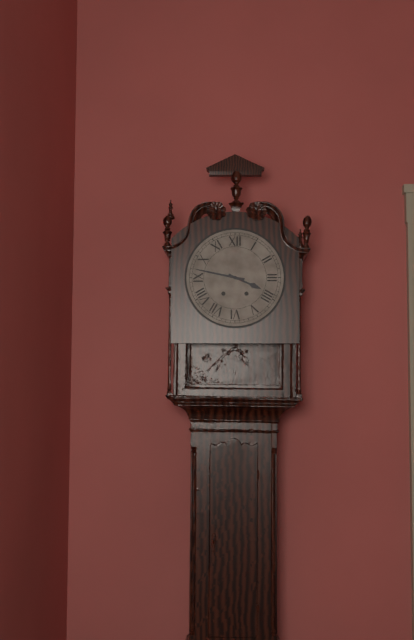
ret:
3.47
